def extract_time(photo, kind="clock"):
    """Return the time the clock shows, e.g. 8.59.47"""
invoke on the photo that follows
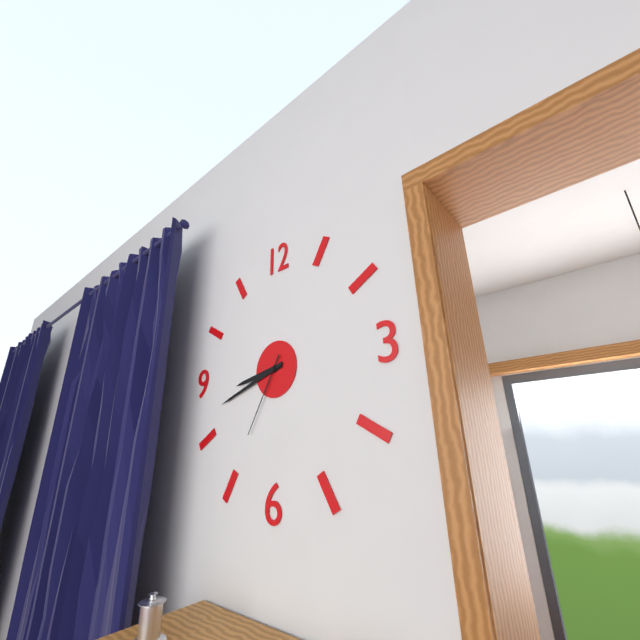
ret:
8.42.35
